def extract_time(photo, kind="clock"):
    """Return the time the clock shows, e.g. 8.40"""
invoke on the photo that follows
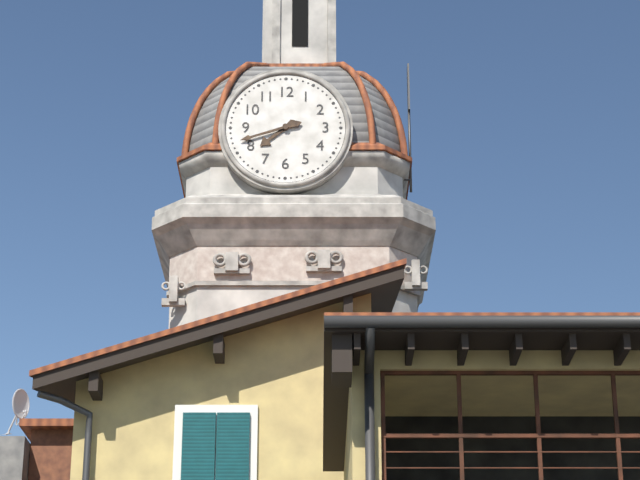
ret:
7.42
